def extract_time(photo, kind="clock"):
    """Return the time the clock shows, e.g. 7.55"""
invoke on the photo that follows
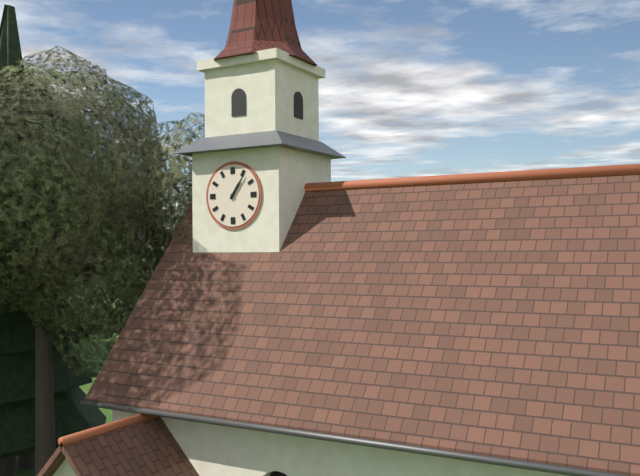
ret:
1.06
